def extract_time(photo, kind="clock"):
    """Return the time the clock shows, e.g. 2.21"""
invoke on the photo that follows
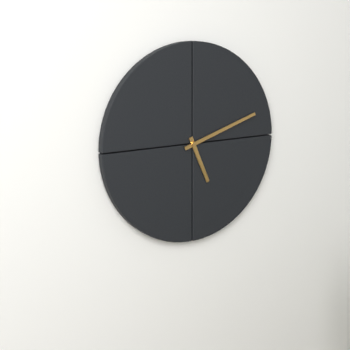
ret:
5.12
